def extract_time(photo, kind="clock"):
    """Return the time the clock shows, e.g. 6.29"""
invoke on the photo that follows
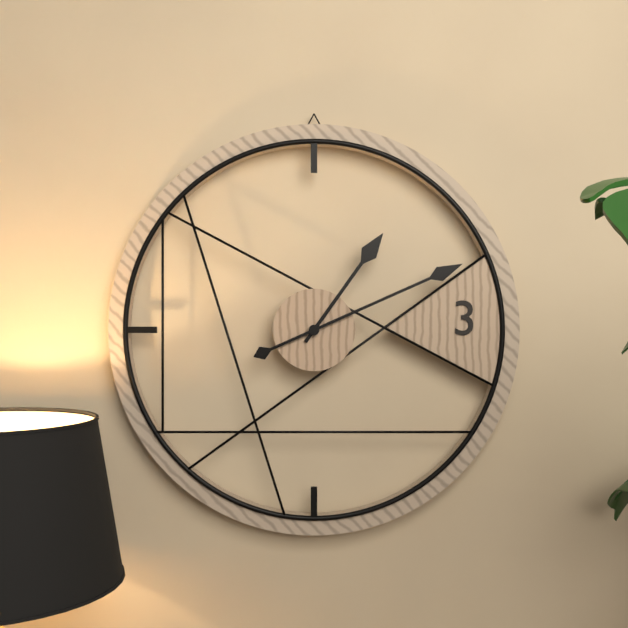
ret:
1.11
